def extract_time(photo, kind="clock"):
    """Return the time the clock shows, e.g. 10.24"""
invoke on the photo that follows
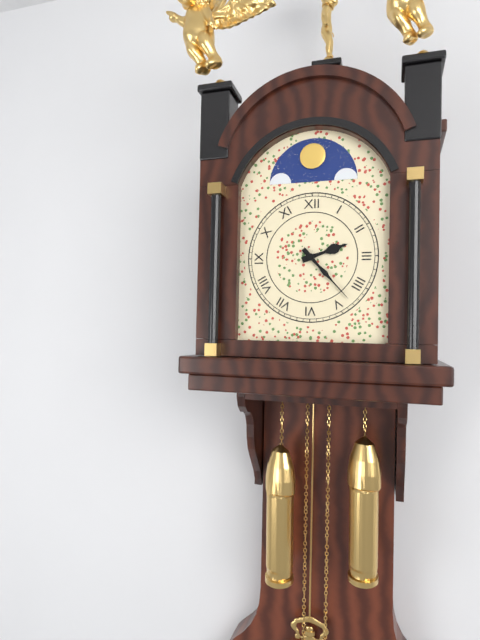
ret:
2.23
